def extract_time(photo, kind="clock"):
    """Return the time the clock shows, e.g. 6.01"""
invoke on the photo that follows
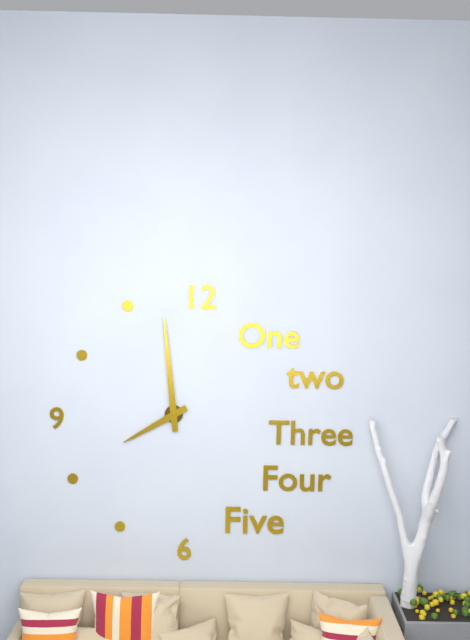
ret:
7.59
